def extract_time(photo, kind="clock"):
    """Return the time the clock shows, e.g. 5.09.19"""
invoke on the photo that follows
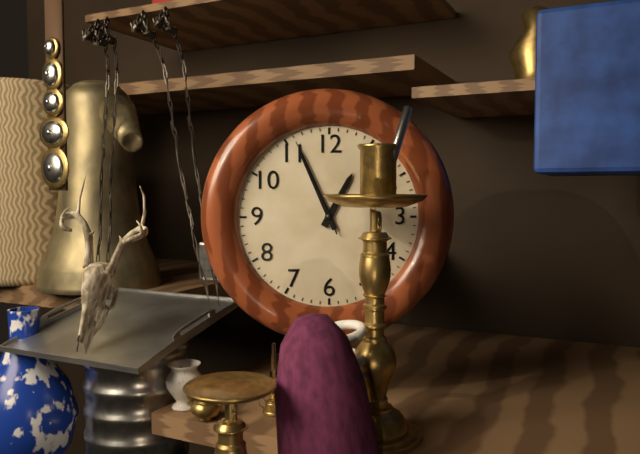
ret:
12.56.56
